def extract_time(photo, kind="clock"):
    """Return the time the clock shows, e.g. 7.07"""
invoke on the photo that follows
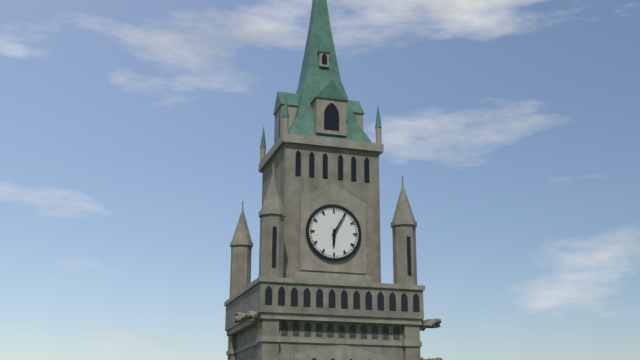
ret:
6.05
